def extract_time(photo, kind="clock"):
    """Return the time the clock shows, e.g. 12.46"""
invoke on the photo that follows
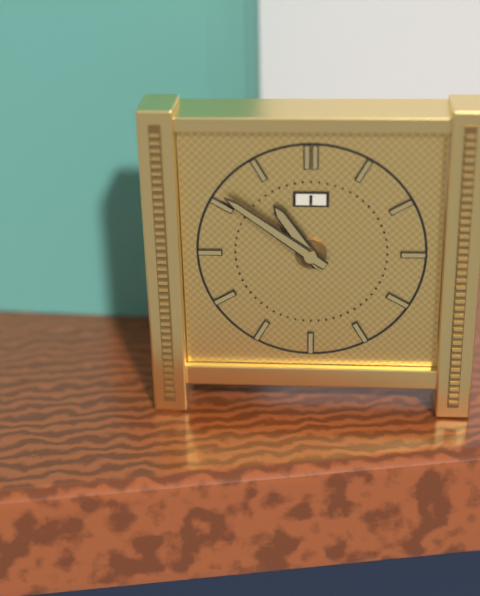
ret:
10.51
